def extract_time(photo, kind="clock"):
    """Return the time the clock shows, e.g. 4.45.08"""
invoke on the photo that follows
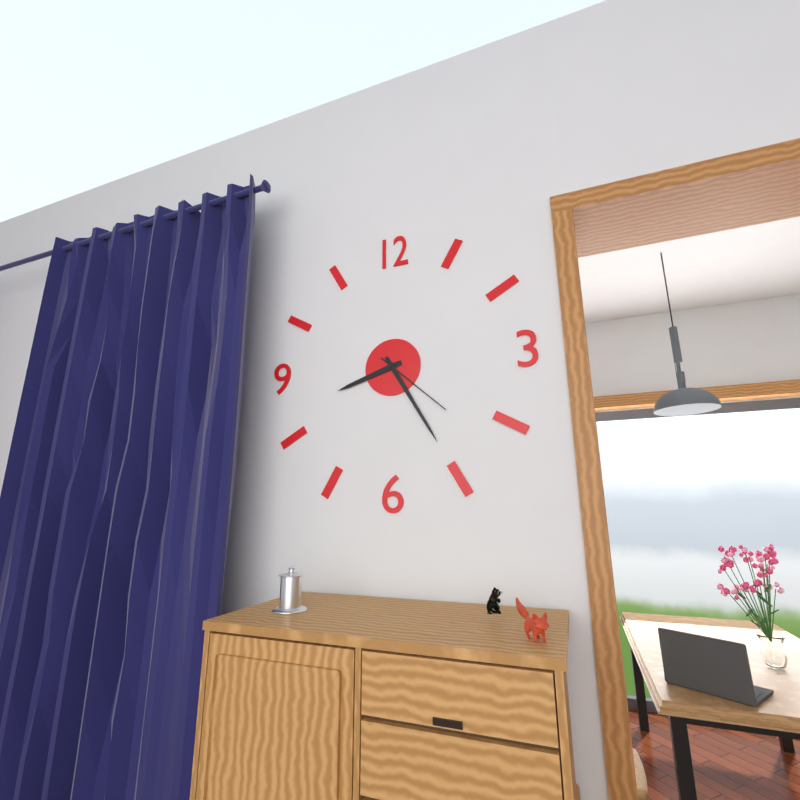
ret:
8.25.22
